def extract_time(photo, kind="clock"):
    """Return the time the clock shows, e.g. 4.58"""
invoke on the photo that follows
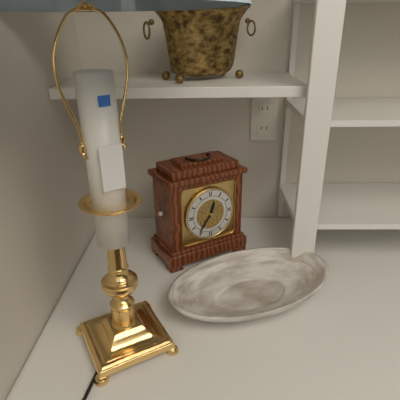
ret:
12.36
